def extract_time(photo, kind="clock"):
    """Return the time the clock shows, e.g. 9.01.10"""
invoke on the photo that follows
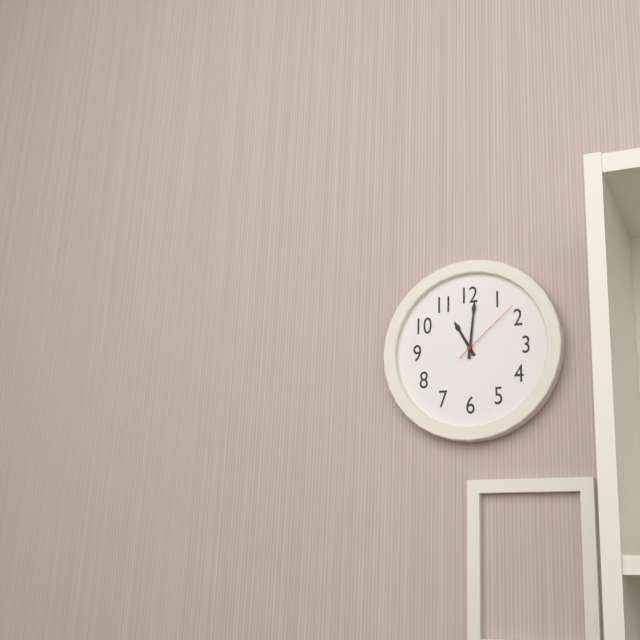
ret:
11.01.08
